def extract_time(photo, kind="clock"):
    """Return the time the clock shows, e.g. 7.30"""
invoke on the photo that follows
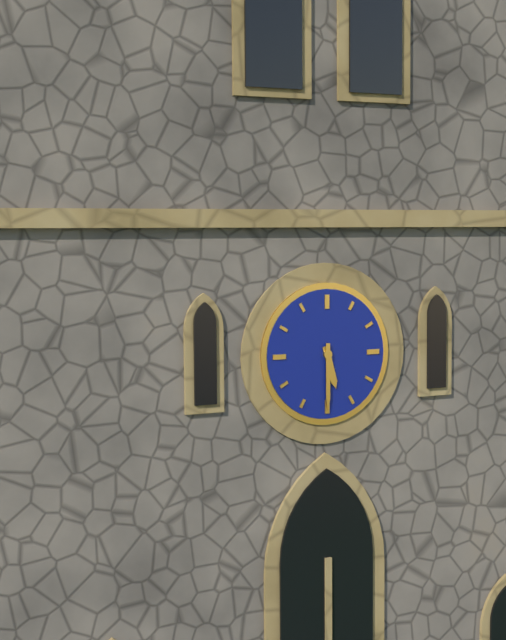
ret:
5.30
